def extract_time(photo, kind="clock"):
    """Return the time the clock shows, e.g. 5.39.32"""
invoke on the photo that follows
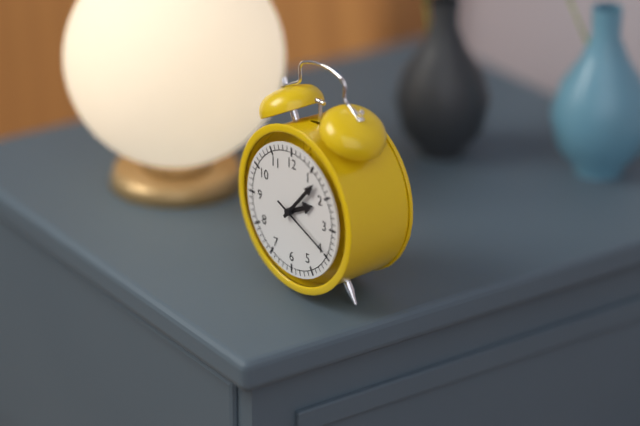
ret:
2.07.19
